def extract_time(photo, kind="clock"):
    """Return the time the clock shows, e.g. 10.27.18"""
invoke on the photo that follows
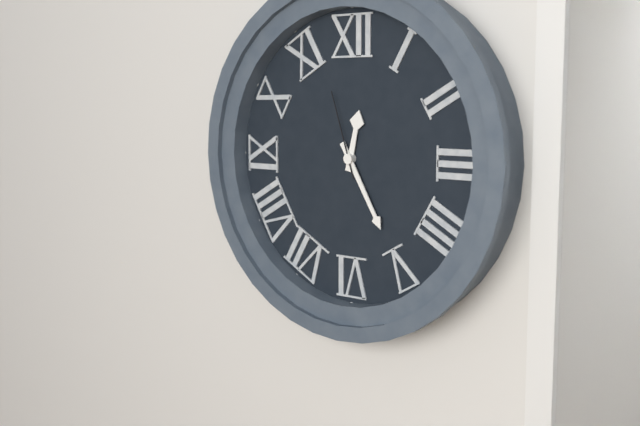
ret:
12.25.57
